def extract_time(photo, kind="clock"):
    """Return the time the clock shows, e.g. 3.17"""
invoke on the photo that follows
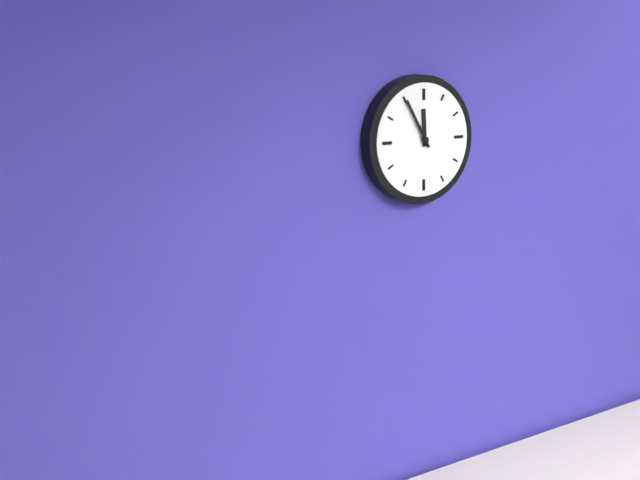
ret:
11.55
